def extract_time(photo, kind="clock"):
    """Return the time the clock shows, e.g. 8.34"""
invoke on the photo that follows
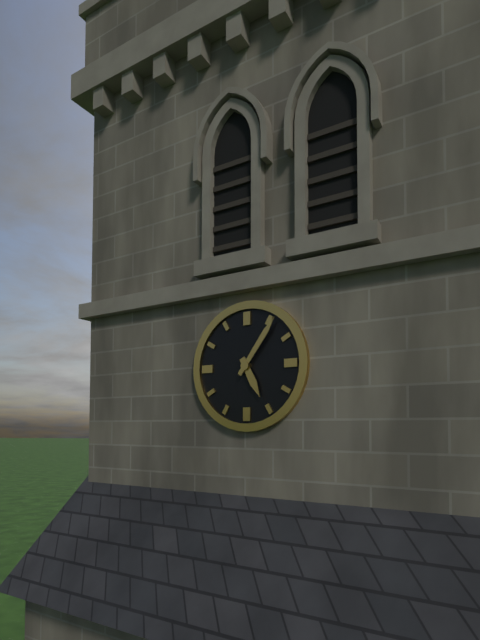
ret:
5.06
